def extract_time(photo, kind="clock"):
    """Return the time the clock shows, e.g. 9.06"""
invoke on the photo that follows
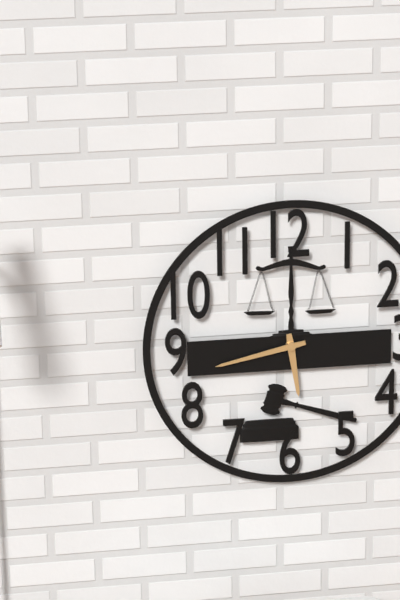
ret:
5.43
